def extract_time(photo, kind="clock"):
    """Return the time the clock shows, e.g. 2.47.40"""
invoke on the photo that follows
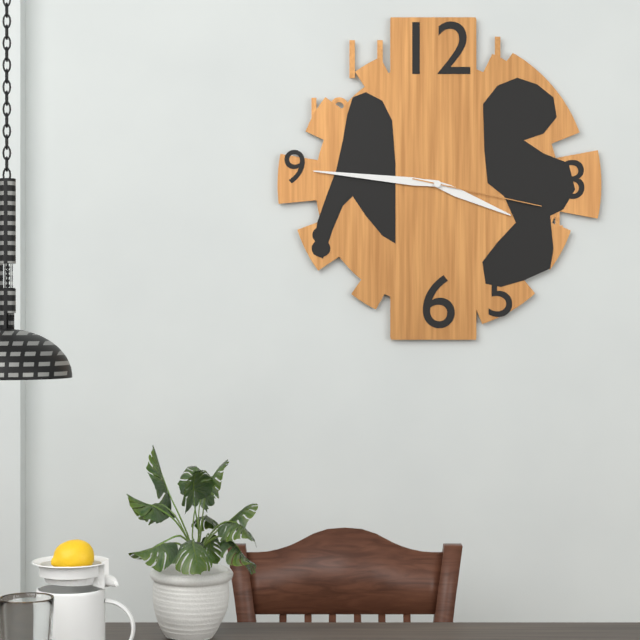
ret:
3.46.17
